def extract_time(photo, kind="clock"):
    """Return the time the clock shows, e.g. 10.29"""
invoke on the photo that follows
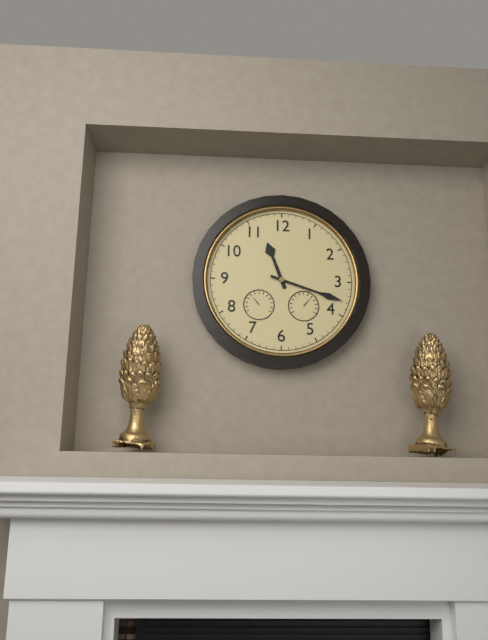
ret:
11.18
